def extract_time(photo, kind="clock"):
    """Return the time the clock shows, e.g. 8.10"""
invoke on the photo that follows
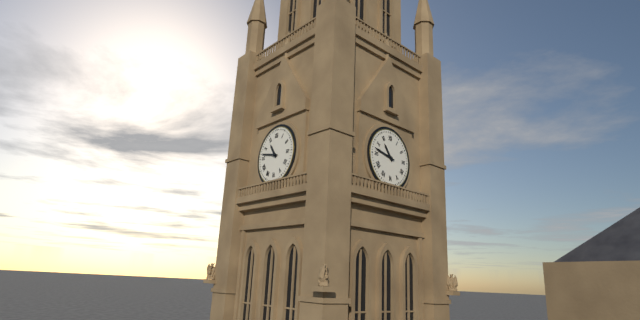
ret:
10.47
